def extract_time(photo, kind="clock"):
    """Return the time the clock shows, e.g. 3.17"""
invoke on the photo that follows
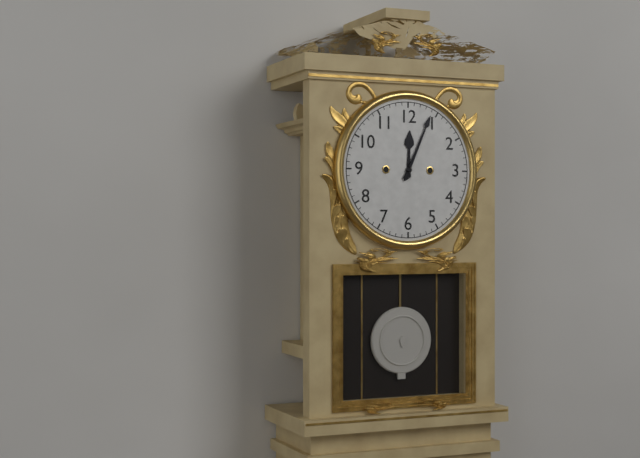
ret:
12.04
